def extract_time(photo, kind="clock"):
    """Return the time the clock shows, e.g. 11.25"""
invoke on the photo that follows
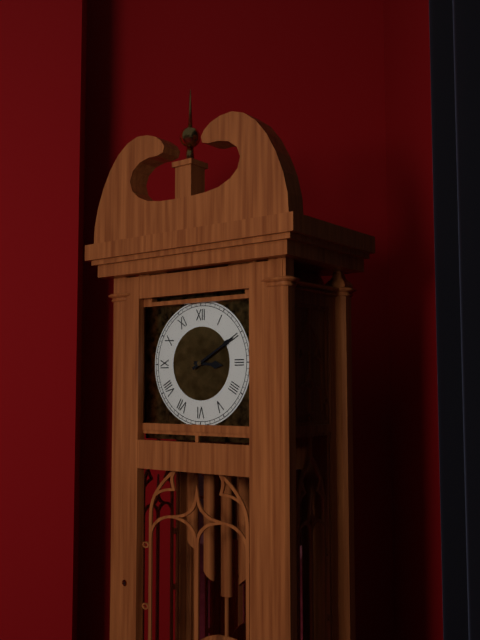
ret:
3.10
